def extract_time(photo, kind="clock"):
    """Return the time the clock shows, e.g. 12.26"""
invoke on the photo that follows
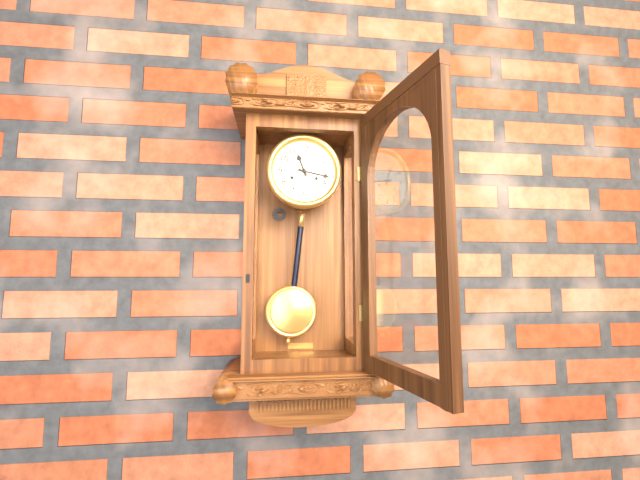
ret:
11.17
